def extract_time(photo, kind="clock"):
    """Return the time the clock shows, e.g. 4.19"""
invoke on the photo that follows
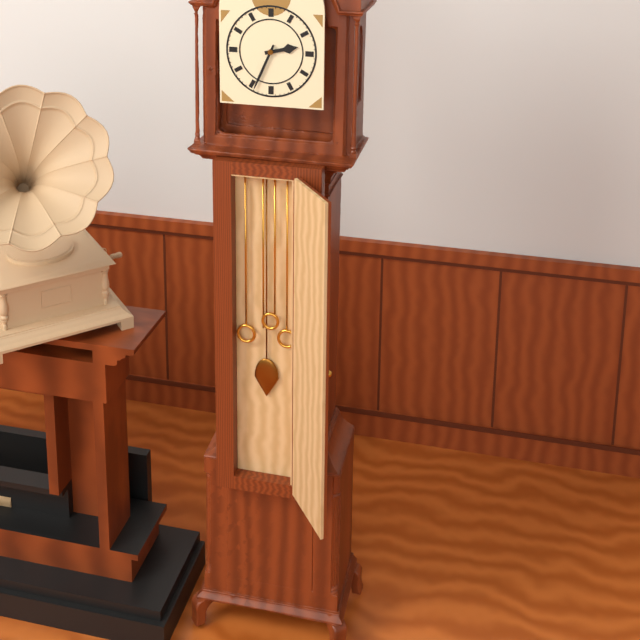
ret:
2.34
